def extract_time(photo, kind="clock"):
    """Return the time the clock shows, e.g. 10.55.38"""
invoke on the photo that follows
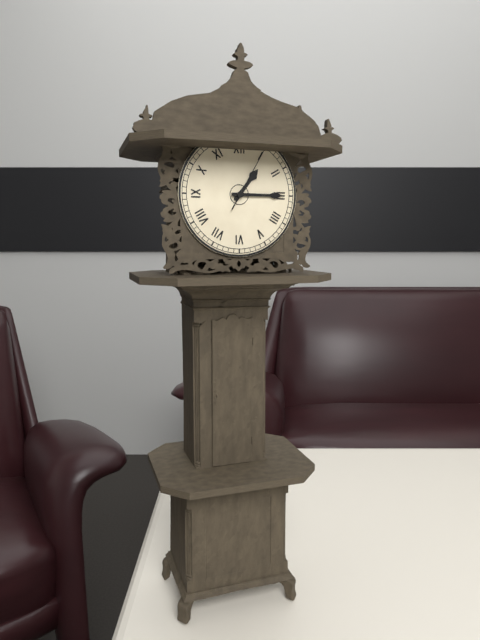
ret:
1.15.05
